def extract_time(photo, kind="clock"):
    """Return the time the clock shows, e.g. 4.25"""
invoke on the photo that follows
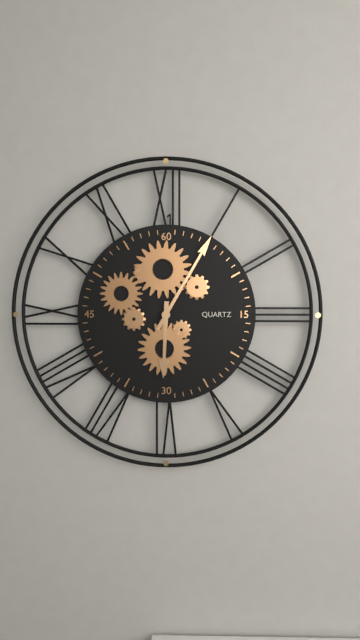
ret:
6.05
